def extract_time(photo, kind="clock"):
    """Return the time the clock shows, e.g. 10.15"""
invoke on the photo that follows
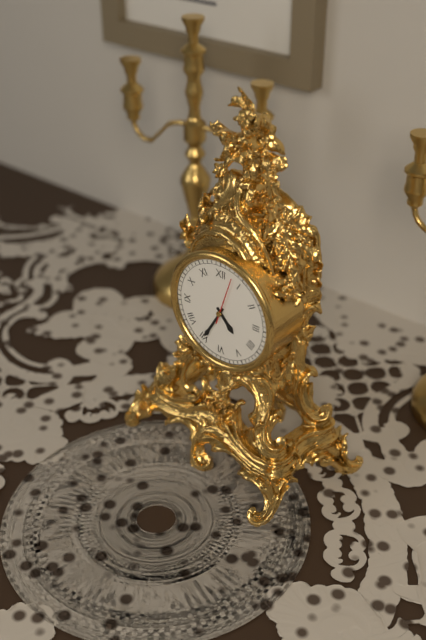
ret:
4.35
